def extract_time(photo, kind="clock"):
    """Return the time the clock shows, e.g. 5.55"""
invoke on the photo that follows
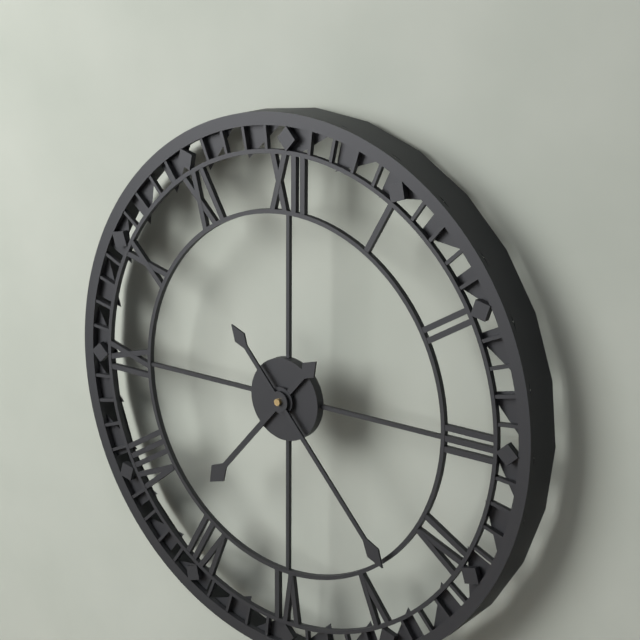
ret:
7.23
